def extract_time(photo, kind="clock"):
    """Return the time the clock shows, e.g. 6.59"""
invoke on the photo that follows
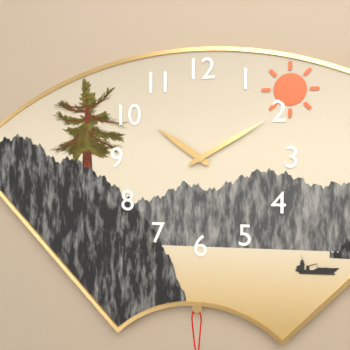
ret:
10.10
